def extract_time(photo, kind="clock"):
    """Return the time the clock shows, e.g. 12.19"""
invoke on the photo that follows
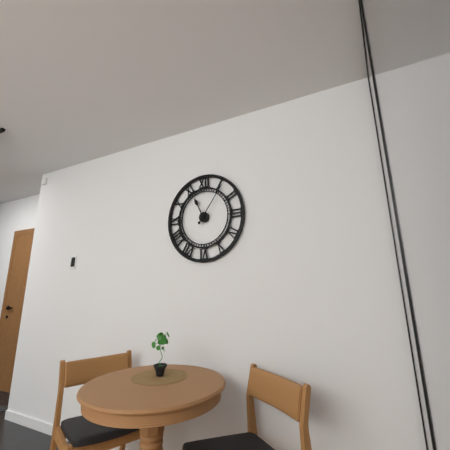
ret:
11.06
